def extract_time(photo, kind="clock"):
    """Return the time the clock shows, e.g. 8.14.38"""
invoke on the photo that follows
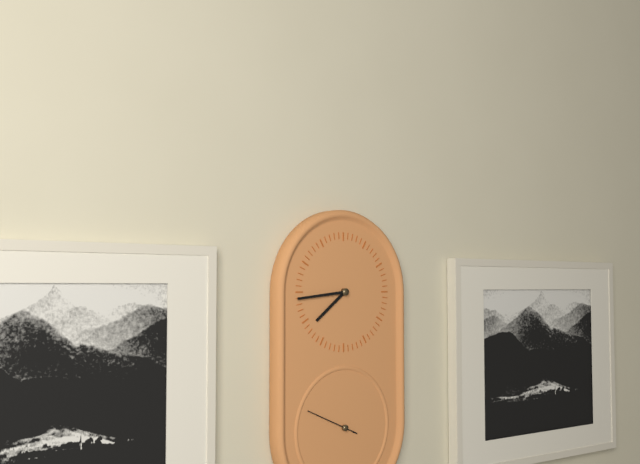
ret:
7.44.49
